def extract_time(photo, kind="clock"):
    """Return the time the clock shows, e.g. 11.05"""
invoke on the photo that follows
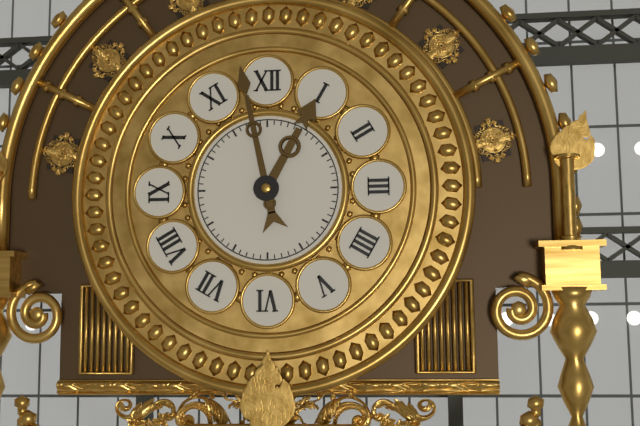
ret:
12.58
